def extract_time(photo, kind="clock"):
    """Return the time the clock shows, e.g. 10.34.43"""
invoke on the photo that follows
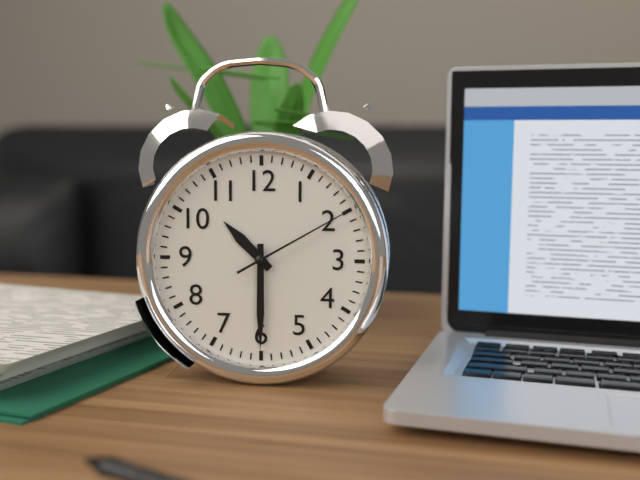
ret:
10.30.10
